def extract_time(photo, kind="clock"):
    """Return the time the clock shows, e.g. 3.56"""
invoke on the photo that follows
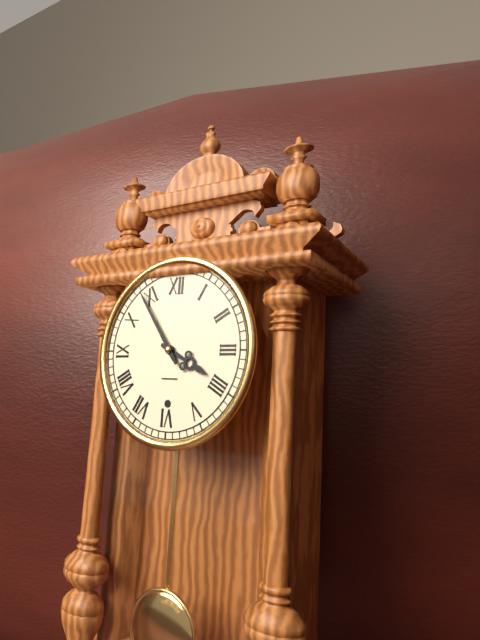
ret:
3.54
